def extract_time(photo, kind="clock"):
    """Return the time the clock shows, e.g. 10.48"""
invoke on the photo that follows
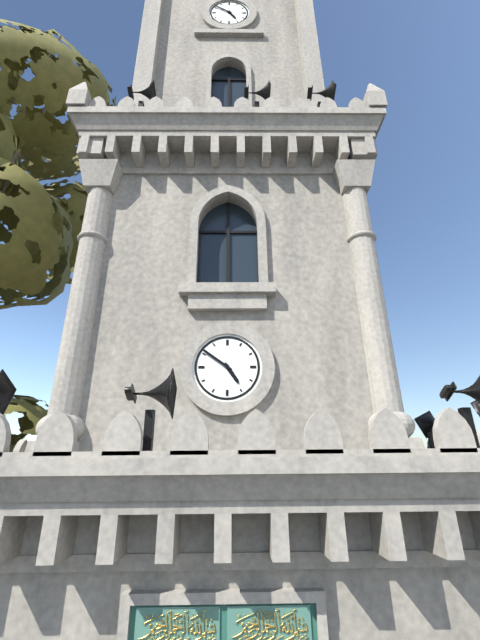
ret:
4.51
